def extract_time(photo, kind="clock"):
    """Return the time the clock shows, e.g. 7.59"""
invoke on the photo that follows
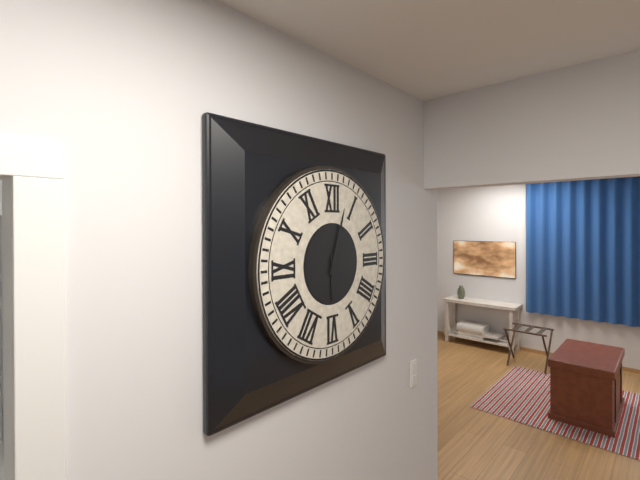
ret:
6.03
